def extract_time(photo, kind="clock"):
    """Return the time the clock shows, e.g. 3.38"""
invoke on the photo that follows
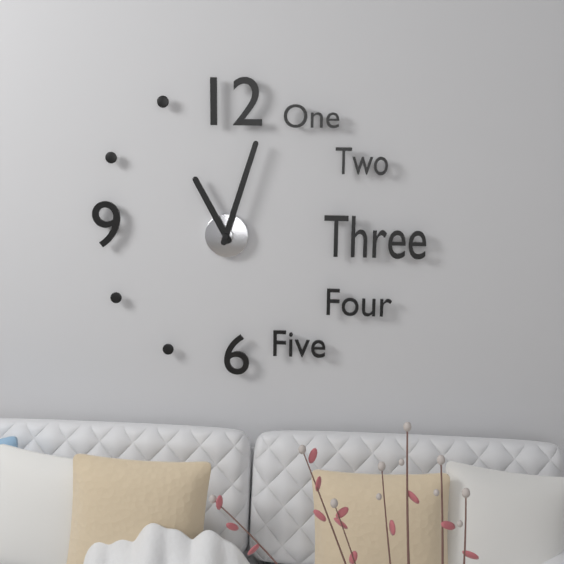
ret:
11.03
